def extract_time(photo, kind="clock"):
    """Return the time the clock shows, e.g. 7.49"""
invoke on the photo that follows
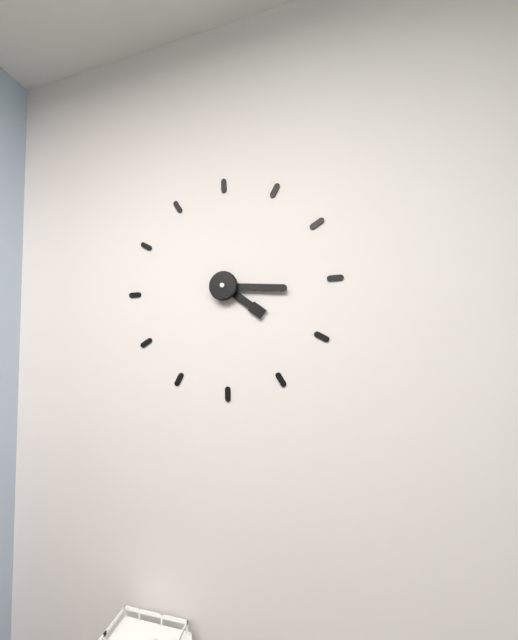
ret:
4.16
